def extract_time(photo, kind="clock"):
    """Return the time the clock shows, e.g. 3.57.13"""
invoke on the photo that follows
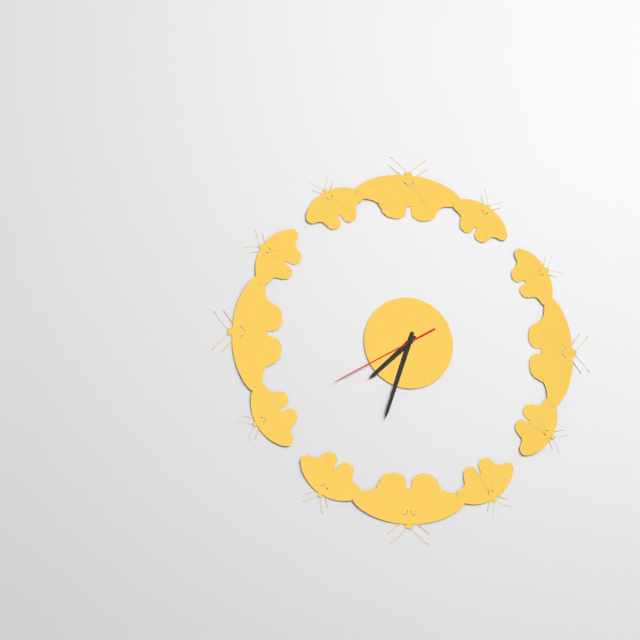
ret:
7.33.40
